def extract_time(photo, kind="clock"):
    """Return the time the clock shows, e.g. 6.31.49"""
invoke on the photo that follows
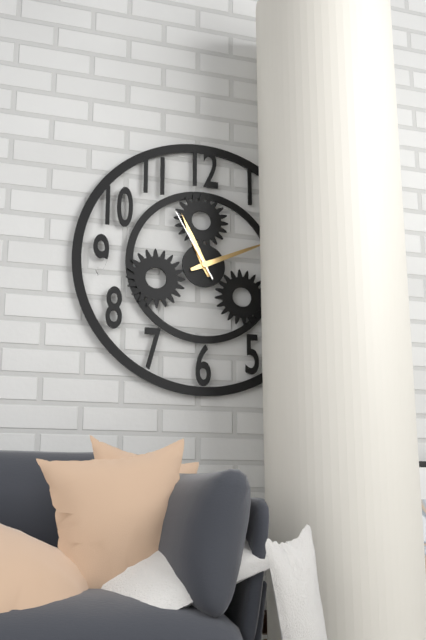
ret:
11.11.55
